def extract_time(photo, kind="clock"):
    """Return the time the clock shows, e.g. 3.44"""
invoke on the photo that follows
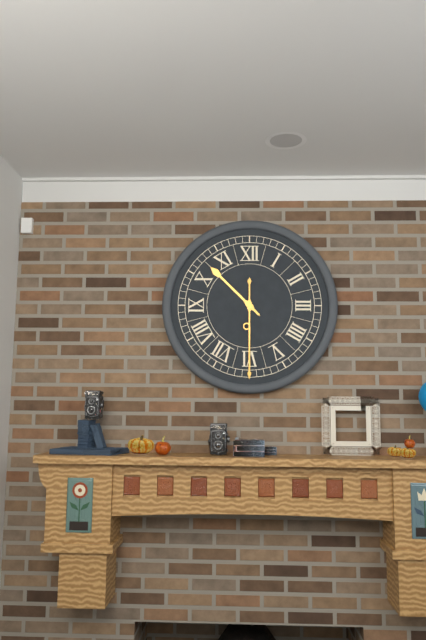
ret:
10.30
